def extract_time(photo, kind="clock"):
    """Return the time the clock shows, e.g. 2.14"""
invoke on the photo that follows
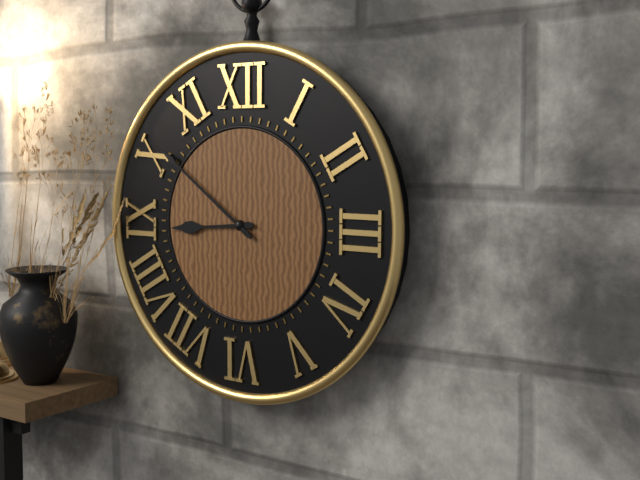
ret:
8.51
